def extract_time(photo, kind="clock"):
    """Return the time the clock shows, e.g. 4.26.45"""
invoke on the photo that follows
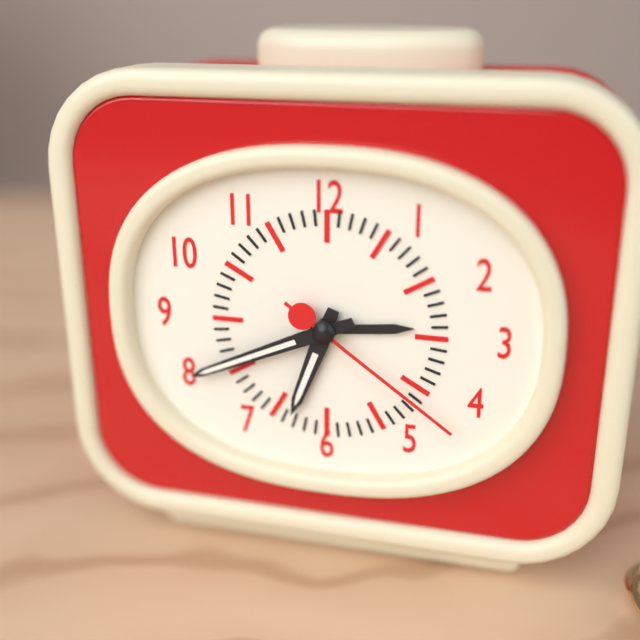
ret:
6.41.21
